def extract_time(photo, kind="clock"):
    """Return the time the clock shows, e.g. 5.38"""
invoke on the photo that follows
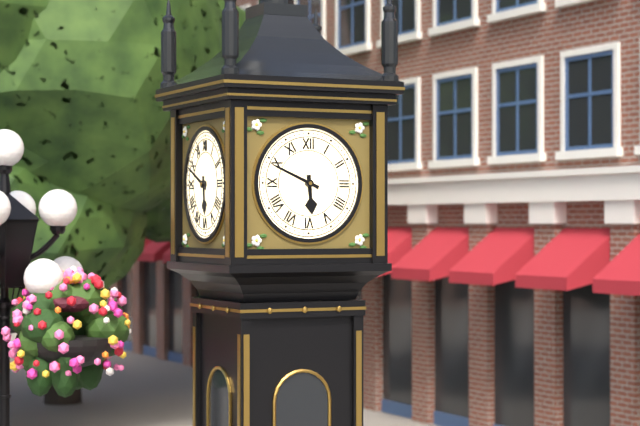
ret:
5.49
